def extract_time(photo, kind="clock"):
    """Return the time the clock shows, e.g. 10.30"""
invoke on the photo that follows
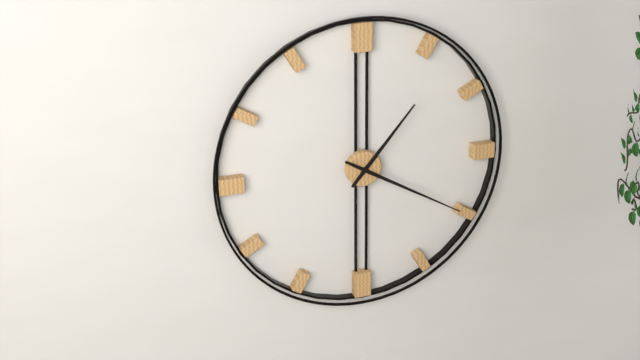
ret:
1.20
